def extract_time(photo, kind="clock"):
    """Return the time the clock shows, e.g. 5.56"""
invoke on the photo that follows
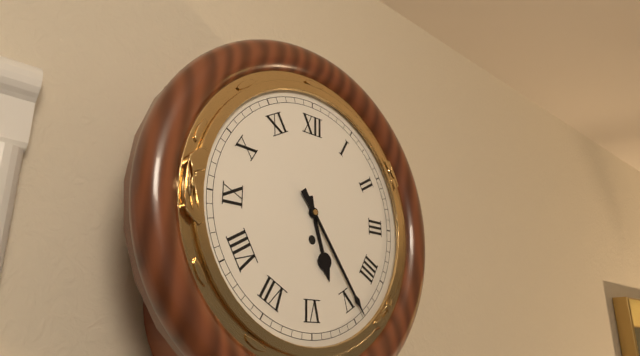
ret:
5.24
